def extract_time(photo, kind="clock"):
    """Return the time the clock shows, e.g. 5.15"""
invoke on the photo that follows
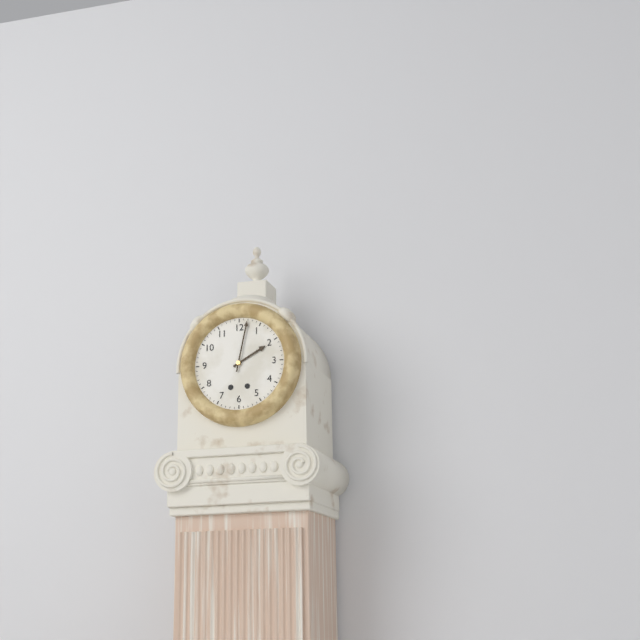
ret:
2.02
